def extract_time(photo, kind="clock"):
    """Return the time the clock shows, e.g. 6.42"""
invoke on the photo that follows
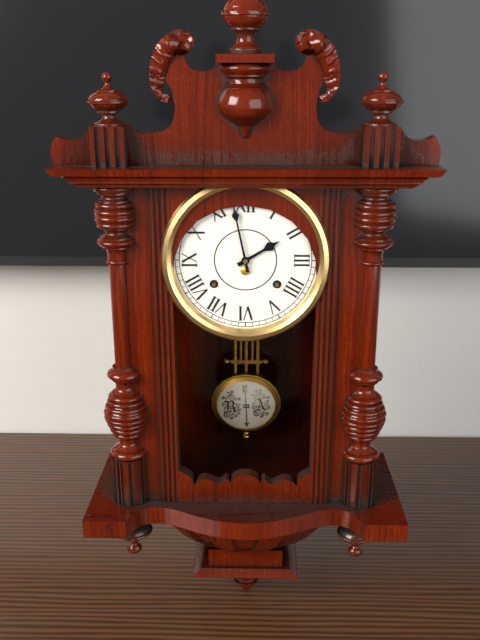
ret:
1.58
